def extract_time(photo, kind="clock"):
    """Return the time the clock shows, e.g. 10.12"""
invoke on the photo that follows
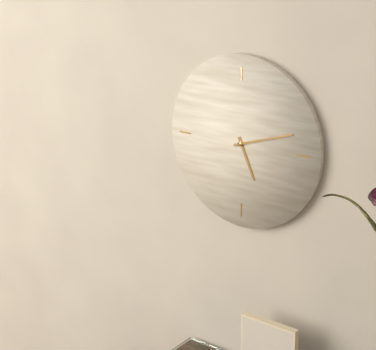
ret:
5.12
